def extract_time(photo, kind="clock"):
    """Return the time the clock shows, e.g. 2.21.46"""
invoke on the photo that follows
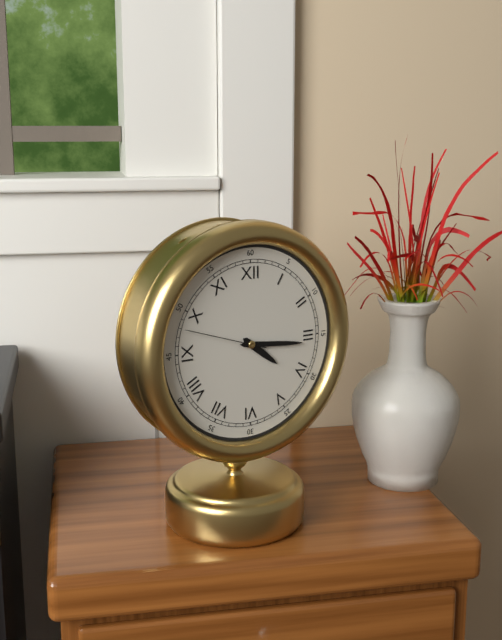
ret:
4.16.48
